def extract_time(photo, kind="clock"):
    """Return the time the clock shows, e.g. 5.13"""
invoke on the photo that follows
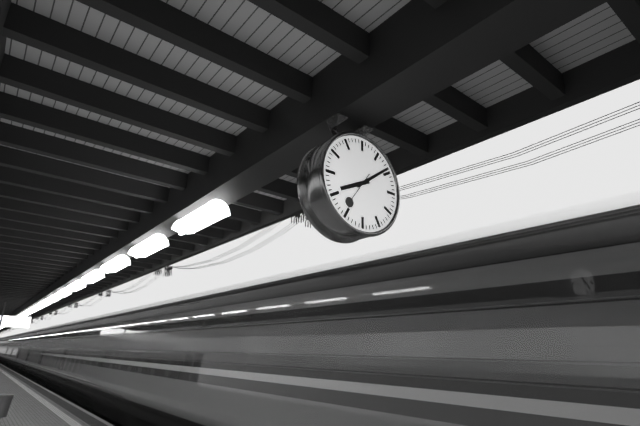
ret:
8.09
